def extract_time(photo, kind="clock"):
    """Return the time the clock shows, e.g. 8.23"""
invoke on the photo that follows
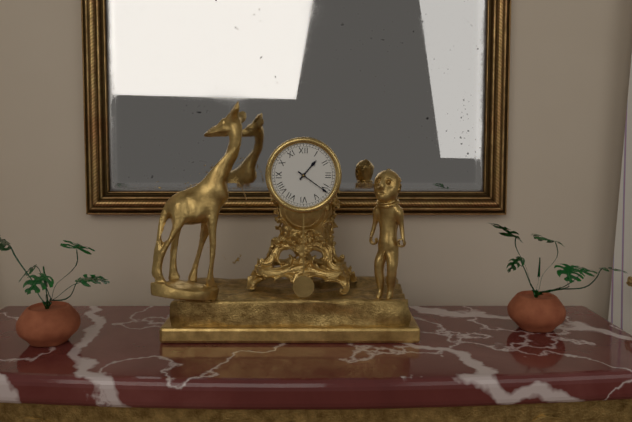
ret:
1.21
